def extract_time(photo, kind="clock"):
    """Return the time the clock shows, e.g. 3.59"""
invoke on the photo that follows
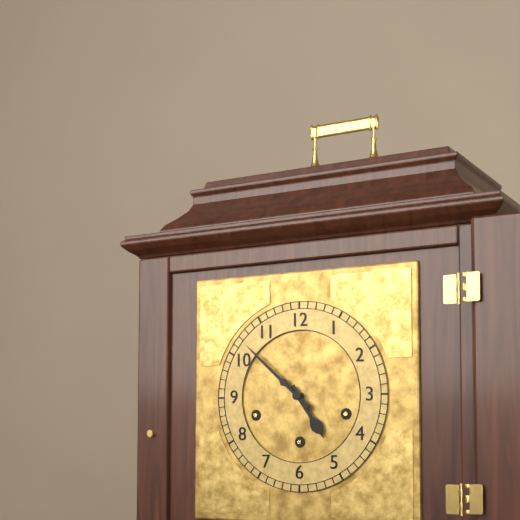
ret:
4.52
